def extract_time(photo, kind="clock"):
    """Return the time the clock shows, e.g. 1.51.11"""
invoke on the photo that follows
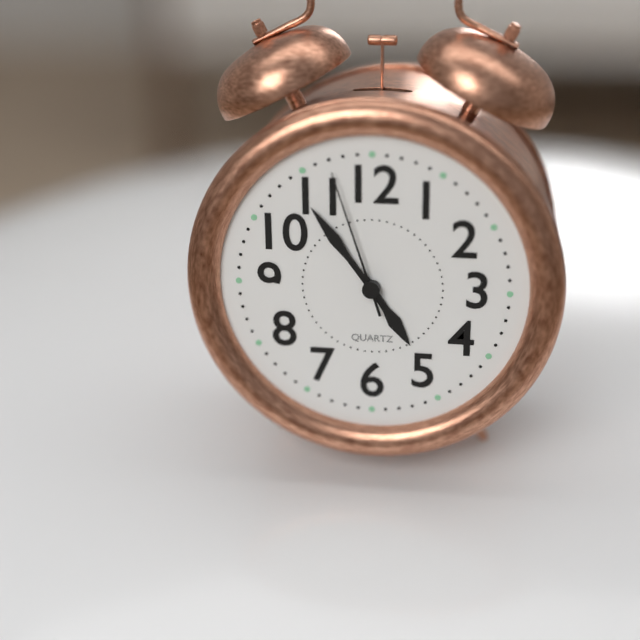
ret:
4.54.57
